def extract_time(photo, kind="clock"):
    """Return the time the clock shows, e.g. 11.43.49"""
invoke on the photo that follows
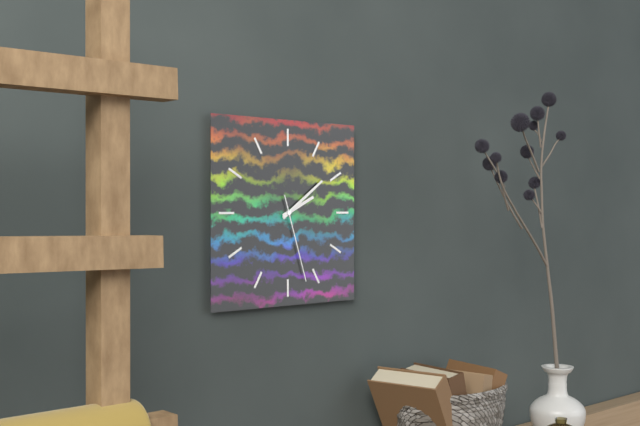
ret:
2.09.27
